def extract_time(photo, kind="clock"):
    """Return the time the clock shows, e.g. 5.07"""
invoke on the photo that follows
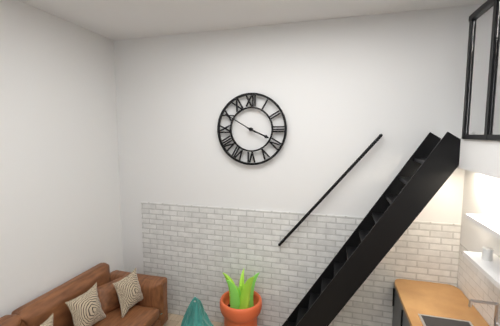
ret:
3.50
